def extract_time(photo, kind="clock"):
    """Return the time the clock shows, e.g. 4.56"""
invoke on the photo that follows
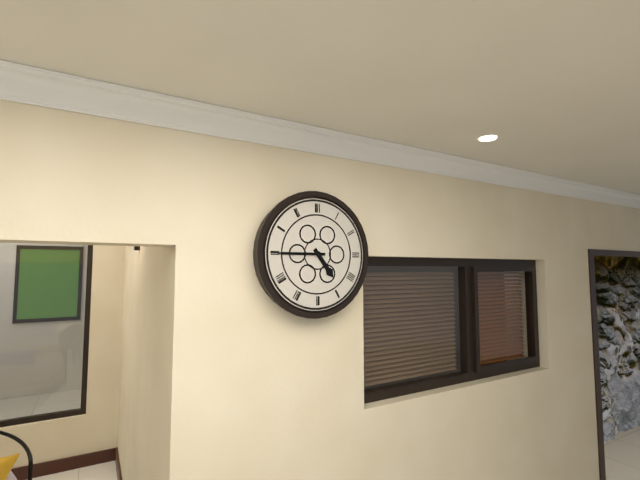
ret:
4.45
